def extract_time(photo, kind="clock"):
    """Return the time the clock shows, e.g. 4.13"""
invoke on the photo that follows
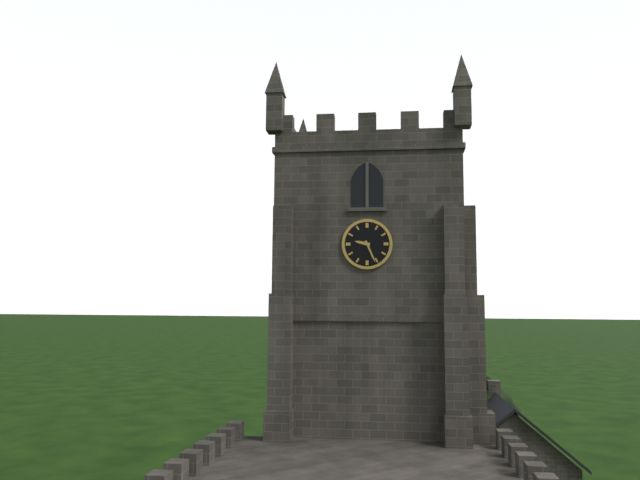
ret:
9.26
